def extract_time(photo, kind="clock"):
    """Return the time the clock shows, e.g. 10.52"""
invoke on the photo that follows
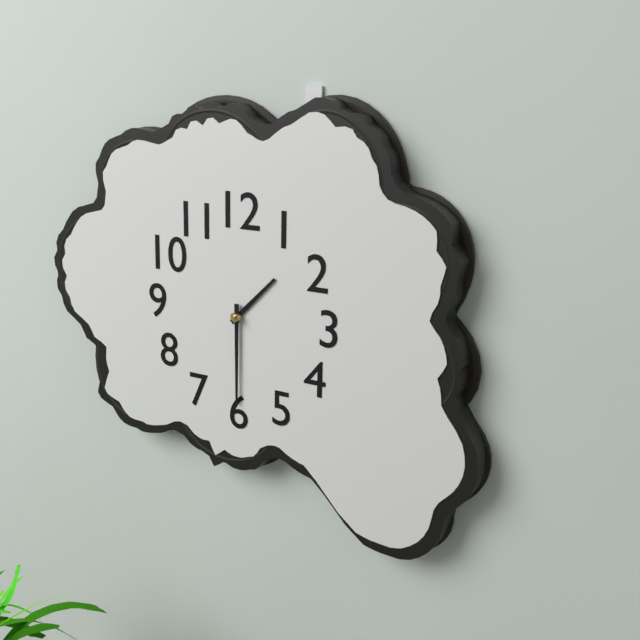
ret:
1.30
